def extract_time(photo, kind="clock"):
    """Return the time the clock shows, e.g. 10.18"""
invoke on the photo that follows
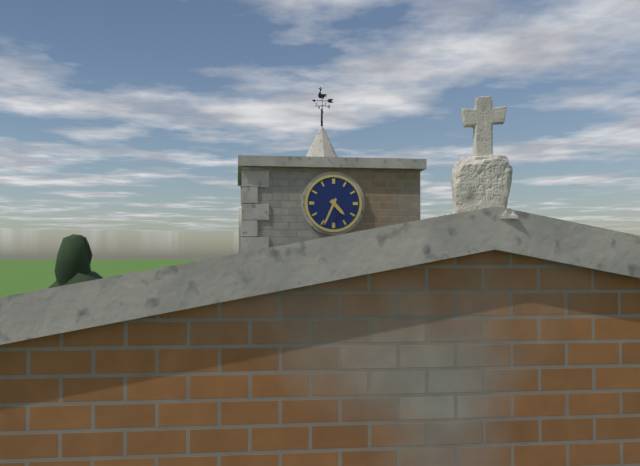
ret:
4.34
